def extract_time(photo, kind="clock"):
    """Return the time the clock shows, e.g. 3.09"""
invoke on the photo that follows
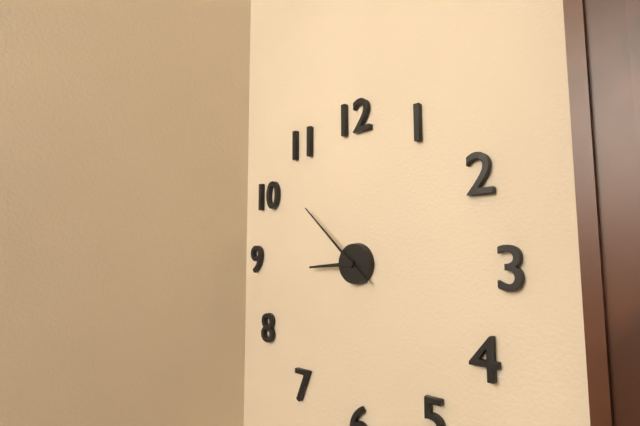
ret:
8.52
